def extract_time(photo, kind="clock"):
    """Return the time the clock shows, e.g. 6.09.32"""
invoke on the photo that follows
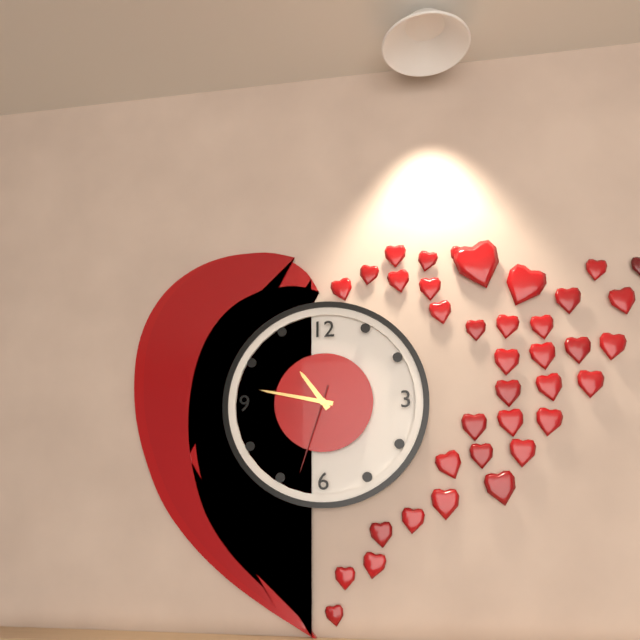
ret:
10.47.33
